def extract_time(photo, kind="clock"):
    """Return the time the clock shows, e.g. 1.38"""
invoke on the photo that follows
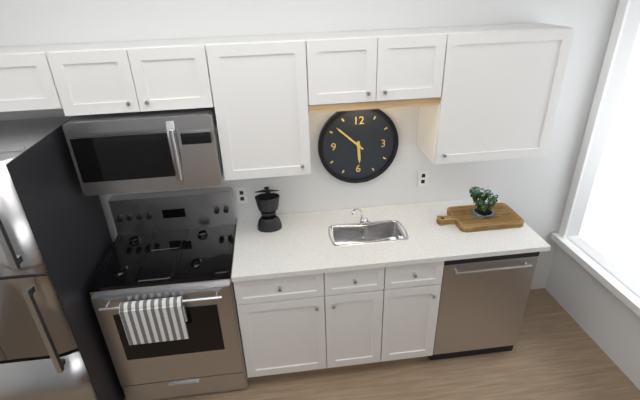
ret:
5.52
